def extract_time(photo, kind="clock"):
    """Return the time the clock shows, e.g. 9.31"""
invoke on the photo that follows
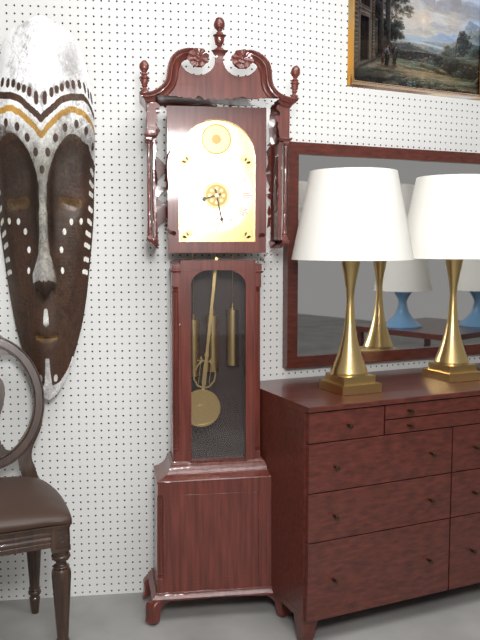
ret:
8.28
